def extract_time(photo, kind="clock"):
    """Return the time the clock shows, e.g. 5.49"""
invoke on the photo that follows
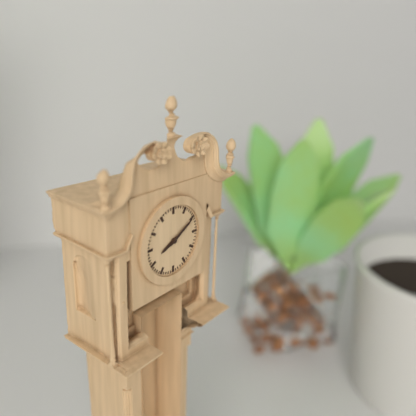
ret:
8.10
